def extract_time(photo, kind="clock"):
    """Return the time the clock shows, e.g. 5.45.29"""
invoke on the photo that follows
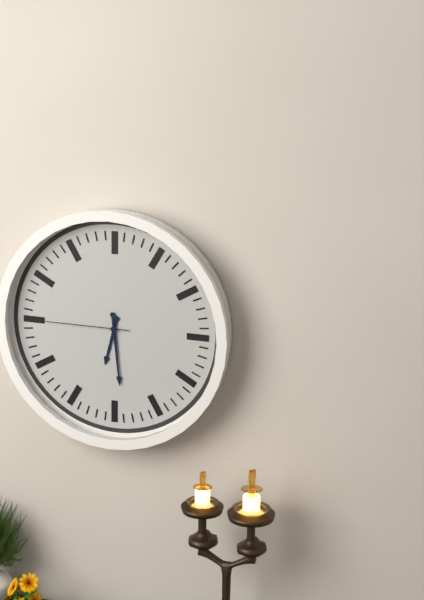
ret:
6.29.45
